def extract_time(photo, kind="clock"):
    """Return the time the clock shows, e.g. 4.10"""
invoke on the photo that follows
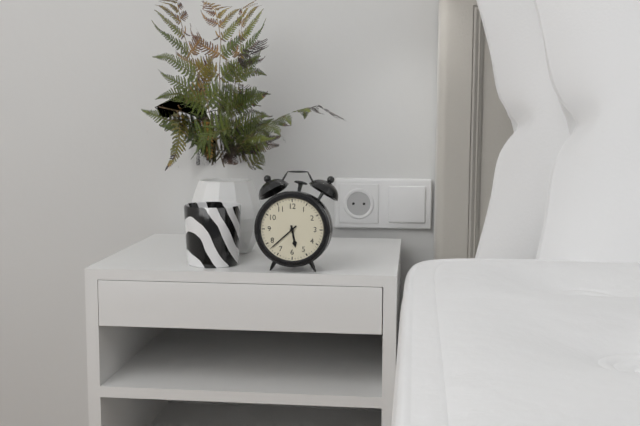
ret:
5.38
